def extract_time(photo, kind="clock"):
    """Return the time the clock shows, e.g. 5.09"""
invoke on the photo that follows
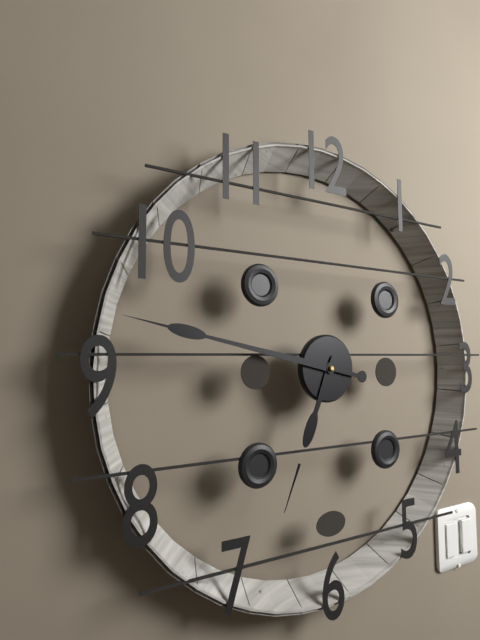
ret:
6.47
